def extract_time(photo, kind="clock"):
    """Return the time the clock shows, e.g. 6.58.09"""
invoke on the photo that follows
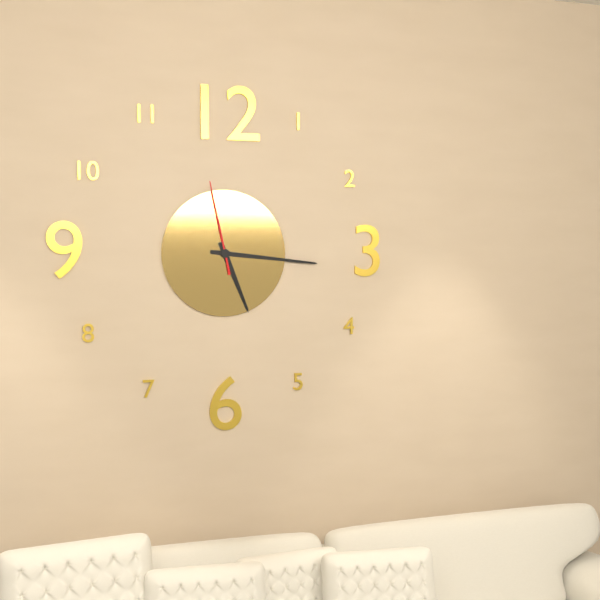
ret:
5.16.58
